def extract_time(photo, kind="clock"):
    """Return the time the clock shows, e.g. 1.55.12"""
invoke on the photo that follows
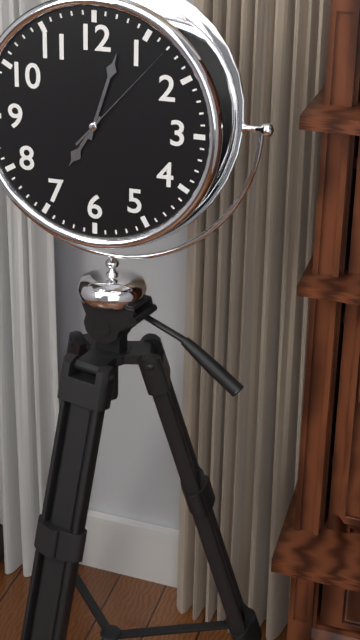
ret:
7.03.07
